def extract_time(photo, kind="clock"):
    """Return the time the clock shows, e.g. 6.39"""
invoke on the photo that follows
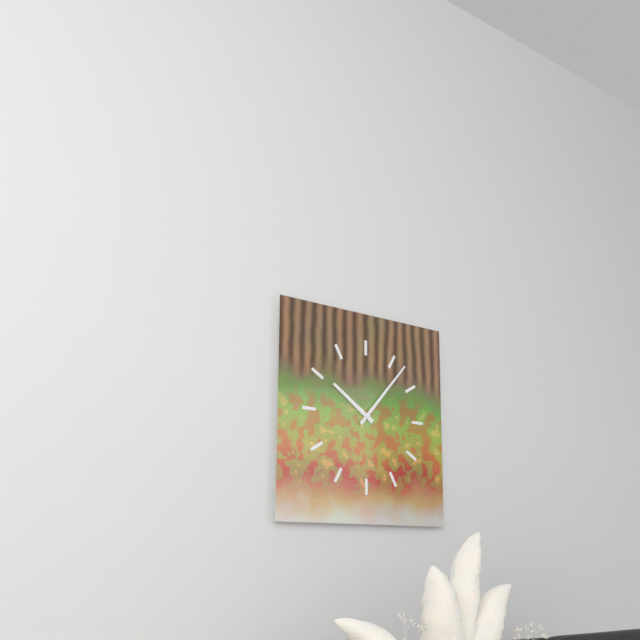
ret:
10.07
